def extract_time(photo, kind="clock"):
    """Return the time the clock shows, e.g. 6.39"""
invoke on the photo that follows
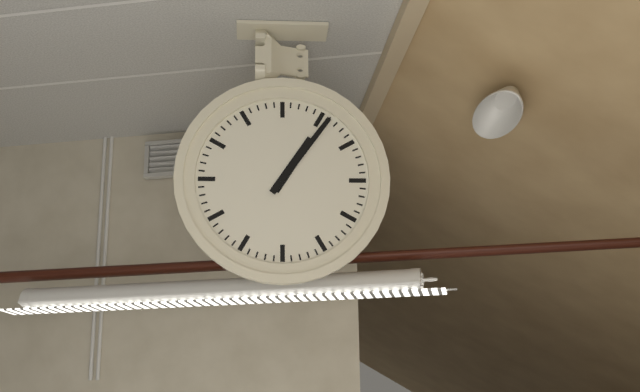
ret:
1.06
